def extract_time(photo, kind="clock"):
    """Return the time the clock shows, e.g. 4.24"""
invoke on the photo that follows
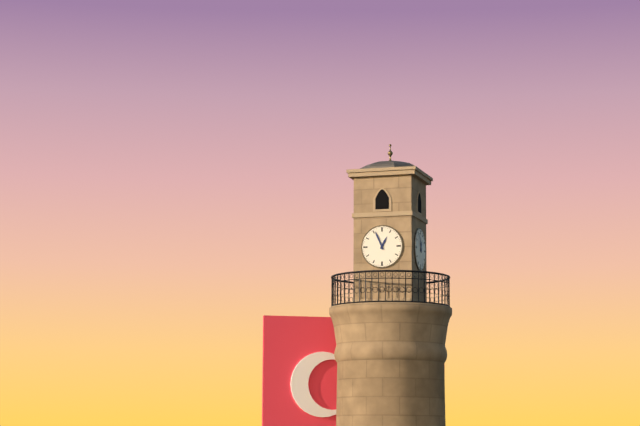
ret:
12.56
